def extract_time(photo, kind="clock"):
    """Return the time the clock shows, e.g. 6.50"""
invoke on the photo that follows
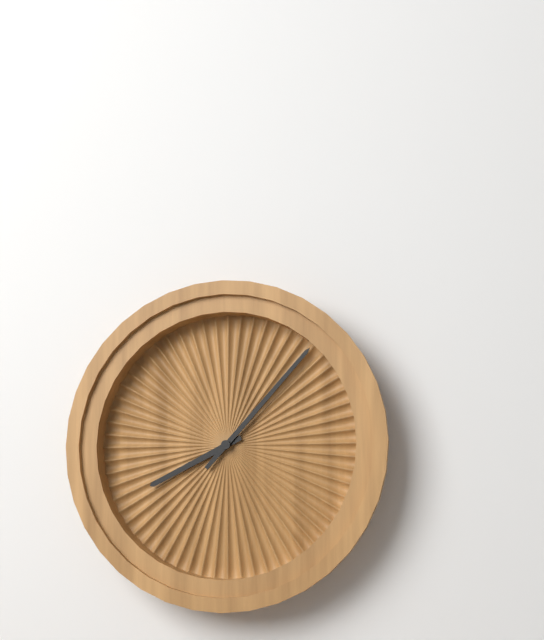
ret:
8.07
